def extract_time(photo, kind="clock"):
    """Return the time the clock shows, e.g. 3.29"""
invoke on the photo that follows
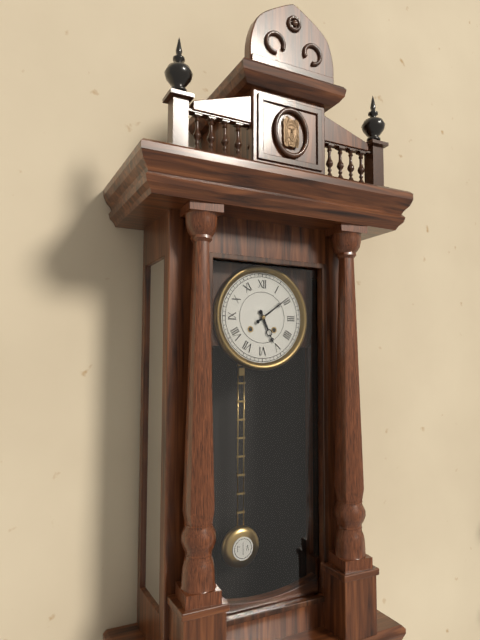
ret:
5.09
